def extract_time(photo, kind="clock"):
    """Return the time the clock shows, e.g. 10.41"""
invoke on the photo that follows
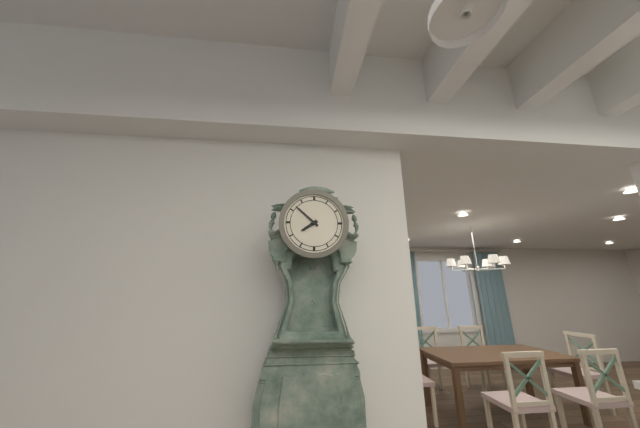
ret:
7.52
